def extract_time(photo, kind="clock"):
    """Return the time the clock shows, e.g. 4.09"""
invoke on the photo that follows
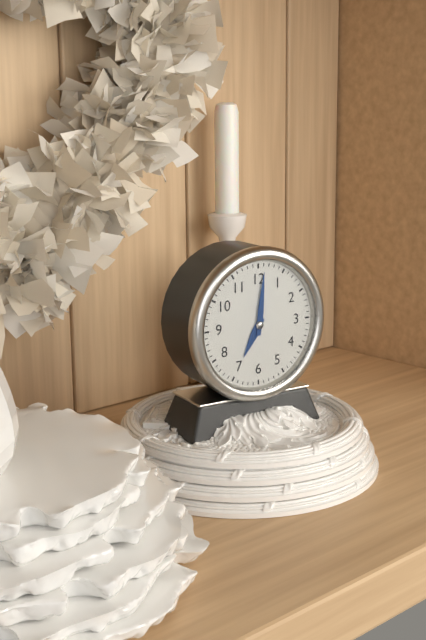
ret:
7.01
